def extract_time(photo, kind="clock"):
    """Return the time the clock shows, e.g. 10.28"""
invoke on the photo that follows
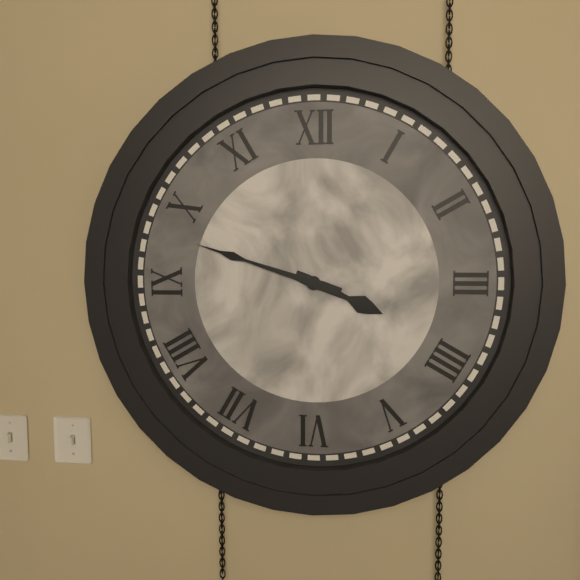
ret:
3.48
